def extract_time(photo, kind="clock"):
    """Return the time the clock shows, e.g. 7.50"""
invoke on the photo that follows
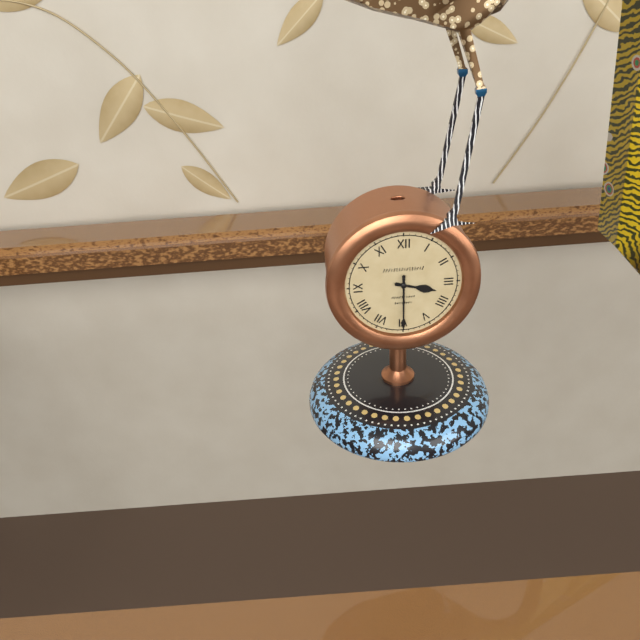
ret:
3.30
